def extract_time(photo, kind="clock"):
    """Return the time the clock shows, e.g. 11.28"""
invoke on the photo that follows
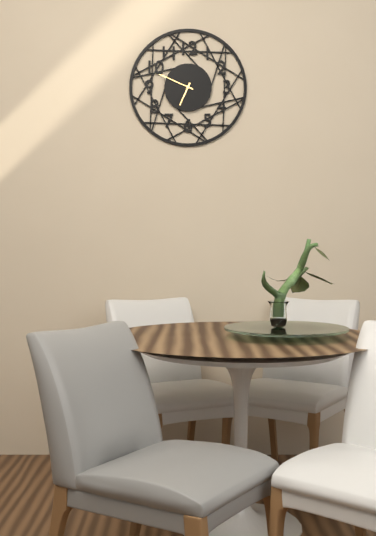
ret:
6.49
